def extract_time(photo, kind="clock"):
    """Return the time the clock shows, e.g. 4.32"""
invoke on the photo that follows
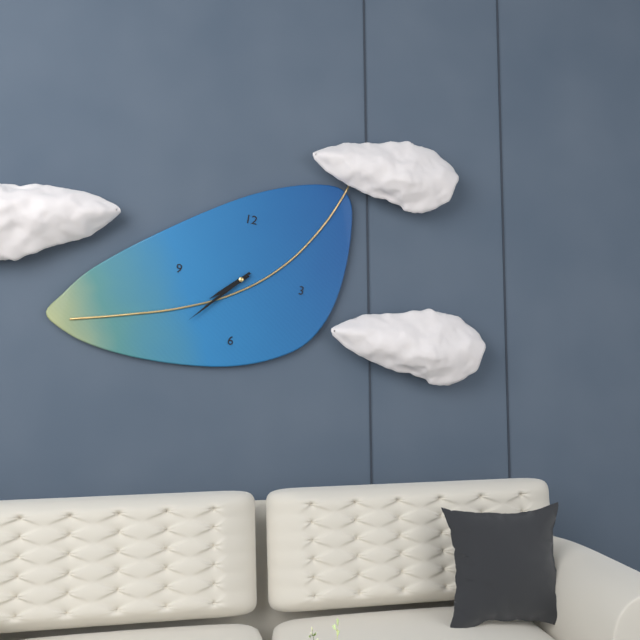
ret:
7.37
